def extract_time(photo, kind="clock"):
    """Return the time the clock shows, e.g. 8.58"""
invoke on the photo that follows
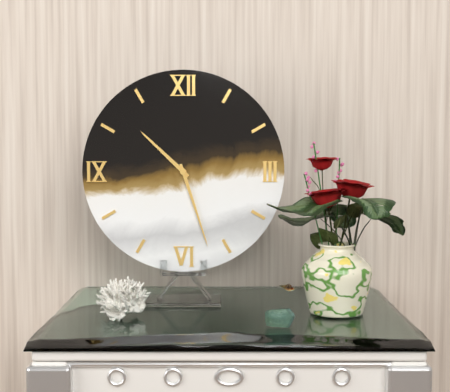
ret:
10.27
